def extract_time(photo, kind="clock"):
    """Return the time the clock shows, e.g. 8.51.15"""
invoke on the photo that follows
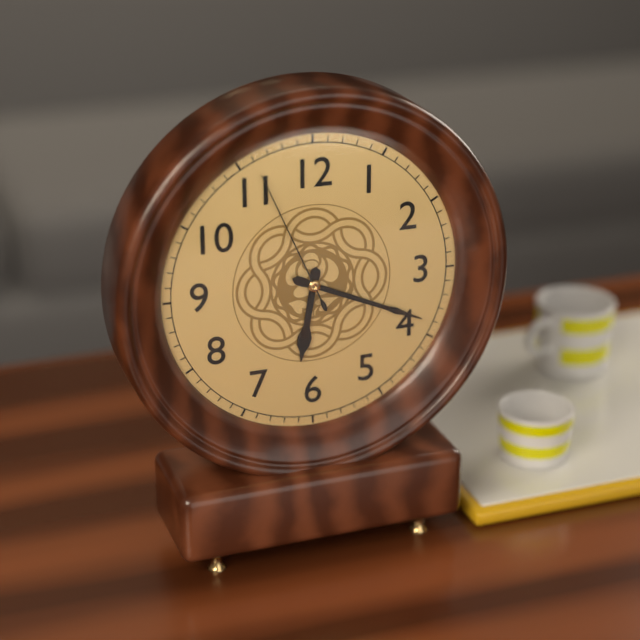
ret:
6.19.56
